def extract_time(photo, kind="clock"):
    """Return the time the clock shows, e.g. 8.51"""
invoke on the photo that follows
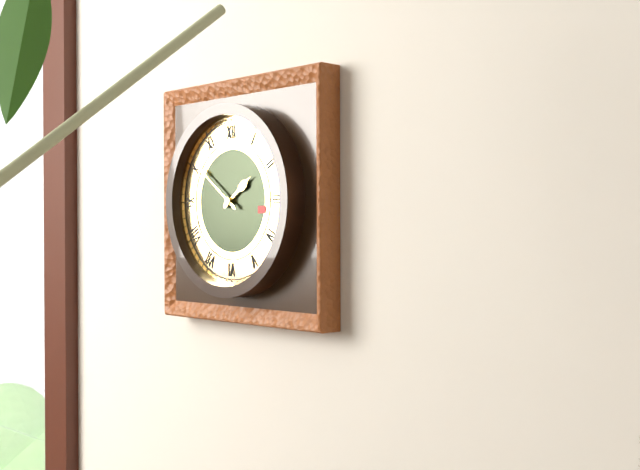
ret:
1.51
